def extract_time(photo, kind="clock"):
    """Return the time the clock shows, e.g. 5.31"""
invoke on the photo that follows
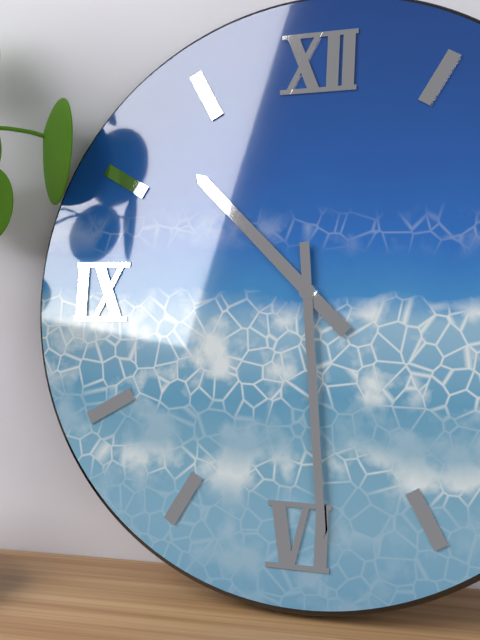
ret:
10.29
